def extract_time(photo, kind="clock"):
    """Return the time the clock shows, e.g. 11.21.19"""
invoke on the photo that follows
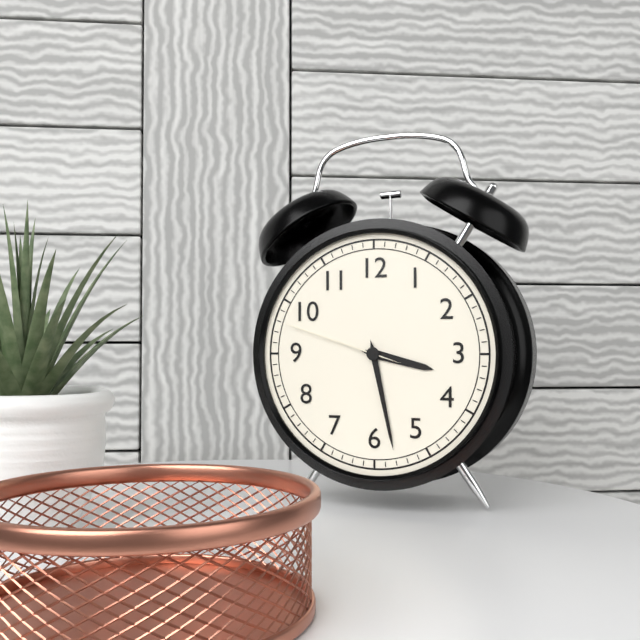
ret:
3.28.48
